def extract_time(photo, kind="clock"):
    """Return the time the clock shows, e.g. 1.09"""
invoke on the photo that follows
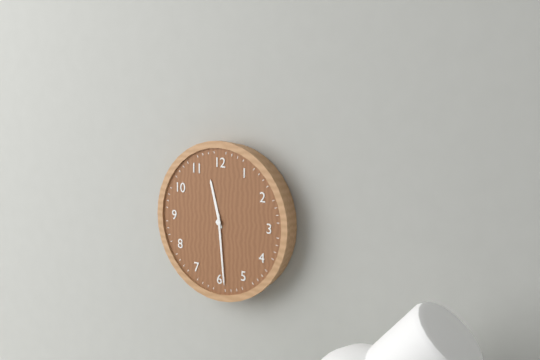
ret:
11.29
